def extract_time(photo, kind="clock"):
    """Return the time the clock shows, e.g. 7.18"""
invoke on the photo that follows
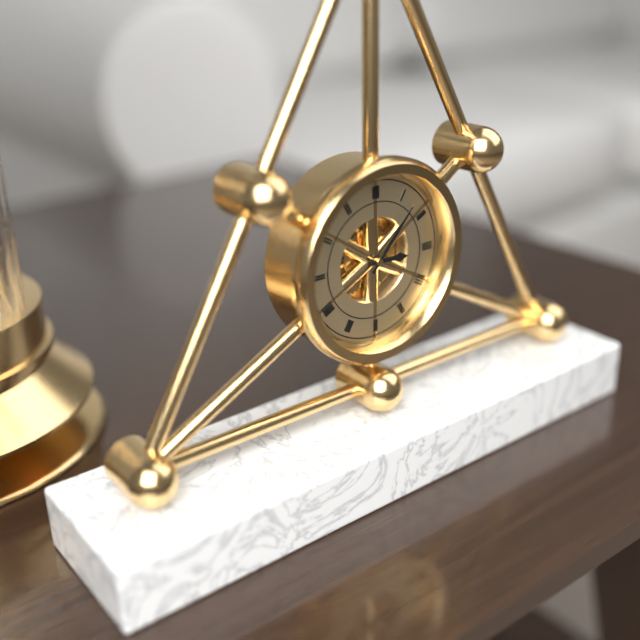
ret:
3.07
